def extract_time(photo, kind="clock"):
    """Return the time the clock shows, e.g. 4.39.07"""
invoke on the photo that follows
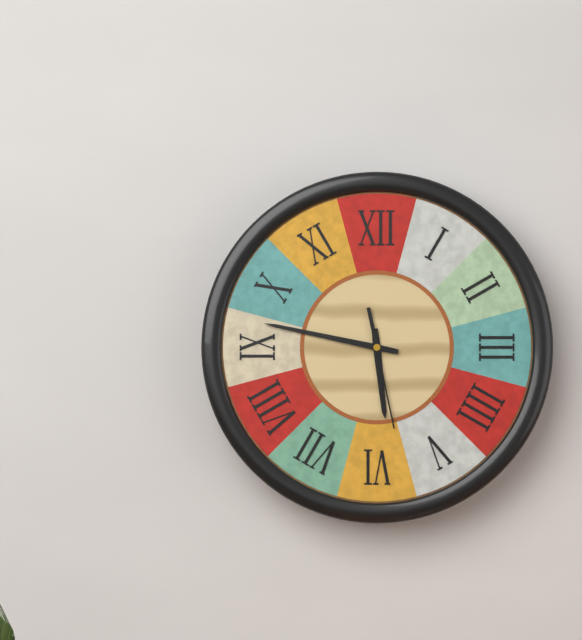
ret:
5.47.28
